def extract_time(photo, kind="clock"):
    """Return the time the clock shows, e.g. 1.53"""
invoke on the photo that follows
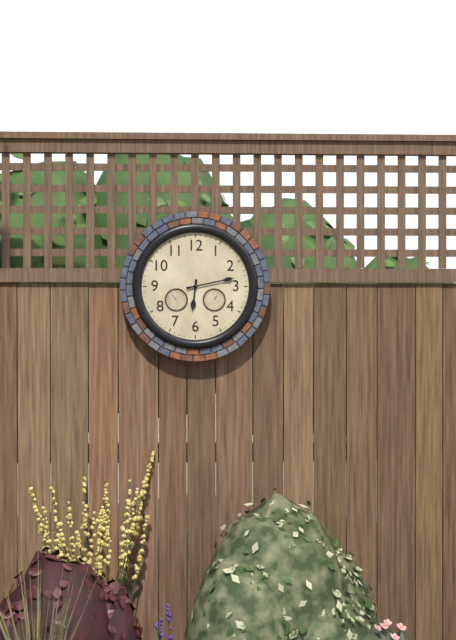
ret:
6.13
